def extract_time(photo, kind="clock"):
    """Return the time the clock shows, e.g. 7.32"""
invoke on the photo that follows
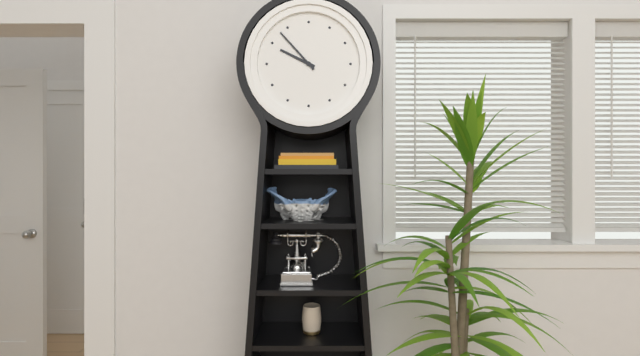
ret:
9.53
